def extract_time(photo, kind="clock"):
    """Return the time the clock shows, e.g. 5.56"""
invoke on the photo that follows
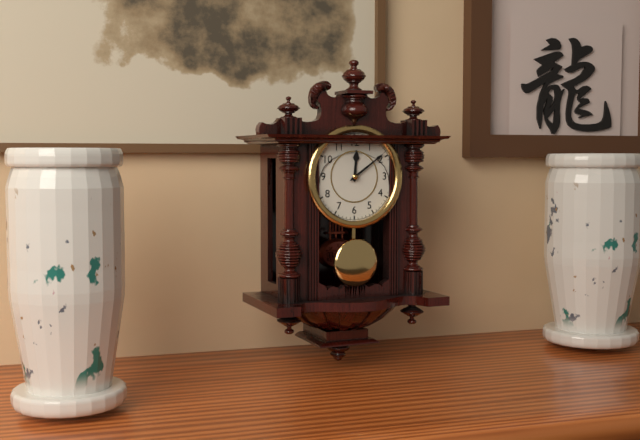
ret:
12.09
